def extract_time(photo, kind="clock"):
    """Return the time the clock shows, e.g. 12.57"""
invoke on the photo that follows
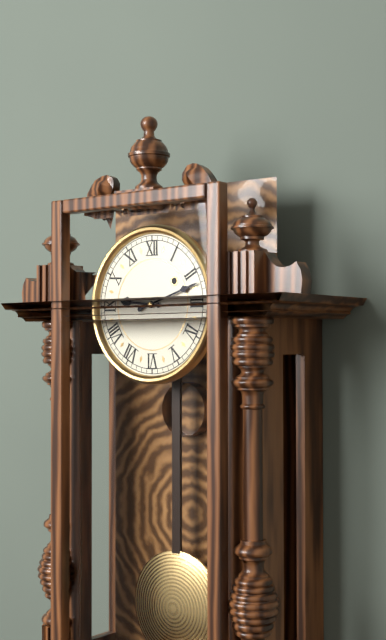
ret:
9.12
